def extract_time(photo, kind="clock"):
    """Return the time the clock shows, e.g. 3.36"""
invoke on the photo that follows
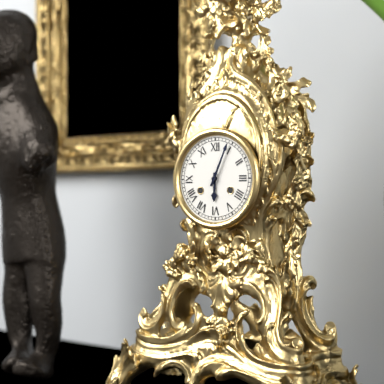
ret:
6.04
